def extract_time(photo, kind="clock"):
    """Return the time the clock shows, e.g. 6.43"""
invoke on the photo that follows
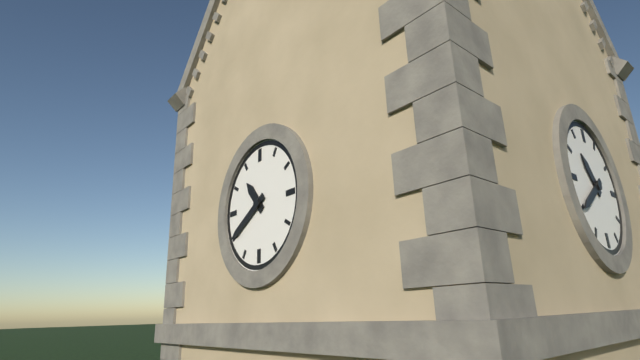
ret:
10.40
